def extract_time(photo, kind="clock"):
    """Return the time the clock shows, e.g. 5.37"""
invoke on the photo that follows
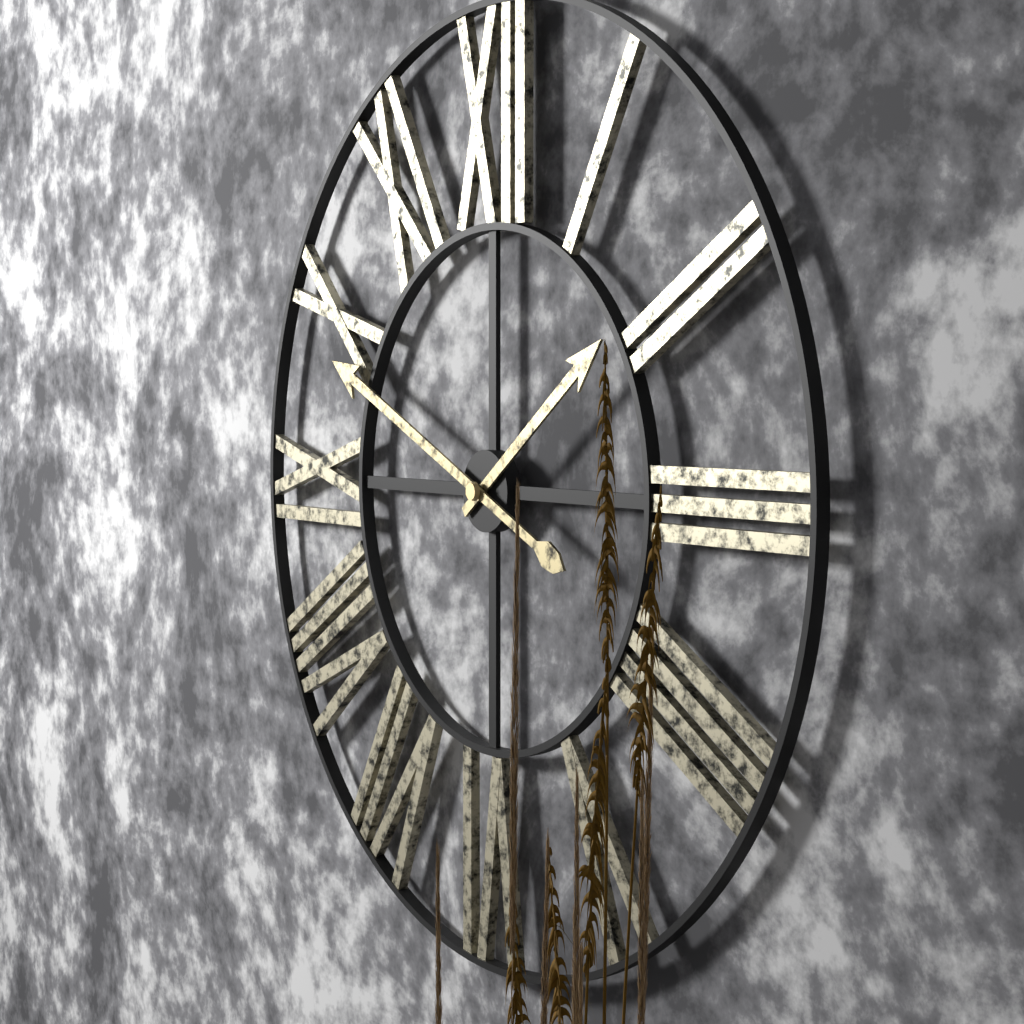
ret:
1.49
